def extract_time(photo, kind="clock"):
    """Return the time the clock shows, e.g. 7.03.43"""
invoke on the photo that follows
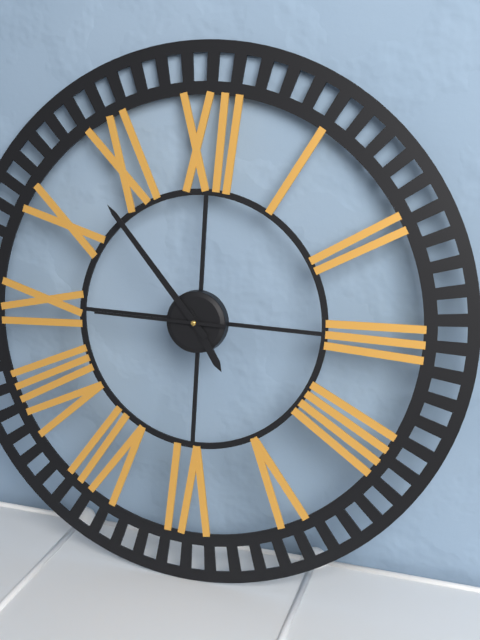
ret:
4.53.45
